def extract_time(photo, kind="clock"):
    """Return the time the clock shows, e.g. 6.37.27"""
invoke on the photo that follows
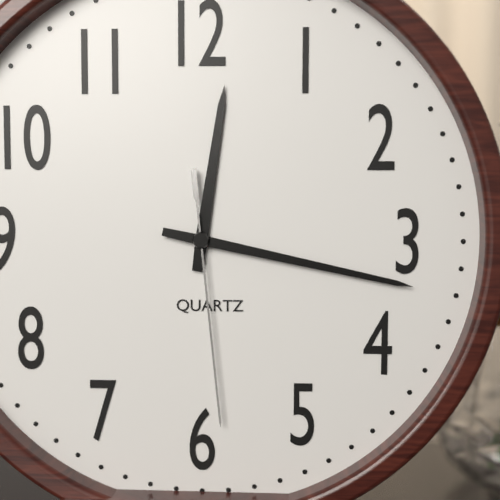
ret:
12.17.29
